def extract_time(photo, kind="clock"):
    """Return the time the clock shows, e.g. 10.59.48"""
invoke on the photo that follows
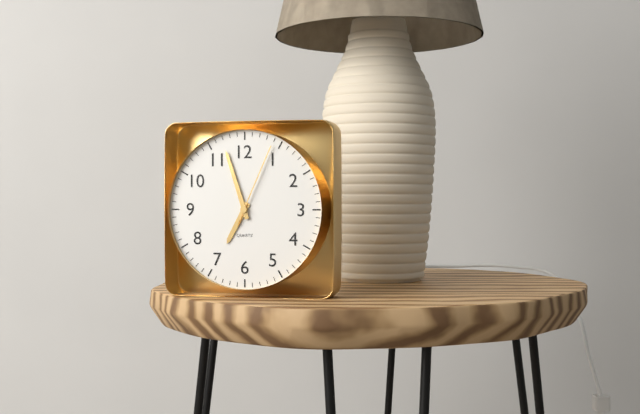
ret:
6.57.04
